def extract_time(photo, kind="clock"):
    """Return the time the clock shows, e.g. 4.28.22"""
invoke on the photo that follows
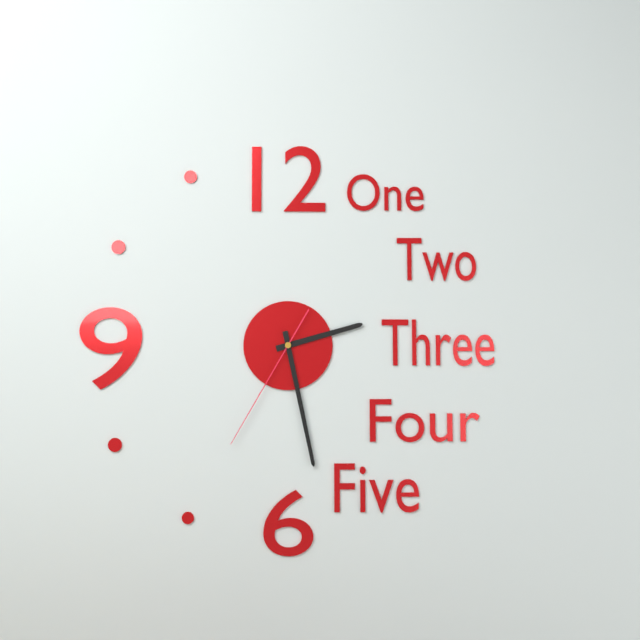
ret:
2.28.35
